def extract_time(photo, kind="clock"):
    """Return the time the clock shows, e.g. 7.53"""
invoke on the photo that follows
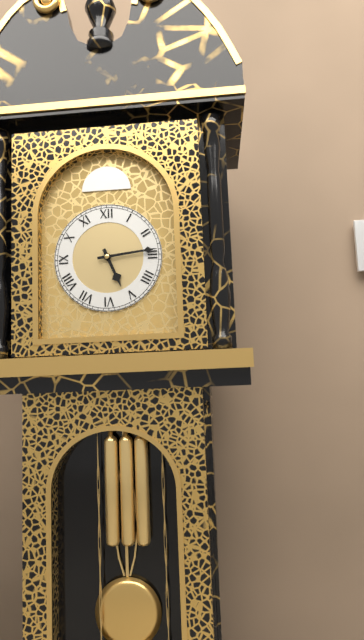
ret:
5.14
